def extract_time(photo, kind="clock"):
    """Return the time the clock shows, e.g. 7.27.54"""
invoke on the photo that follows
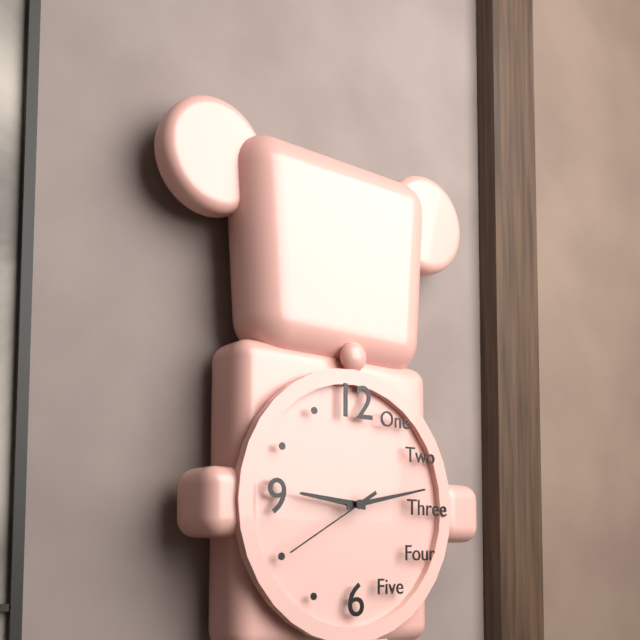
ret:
9.13.40
